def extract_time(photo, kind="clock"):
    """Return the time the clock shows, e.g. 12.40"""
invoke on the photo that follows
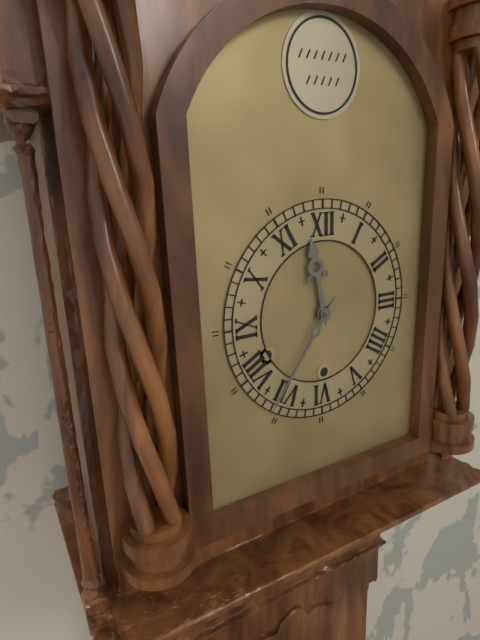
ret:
11.36
